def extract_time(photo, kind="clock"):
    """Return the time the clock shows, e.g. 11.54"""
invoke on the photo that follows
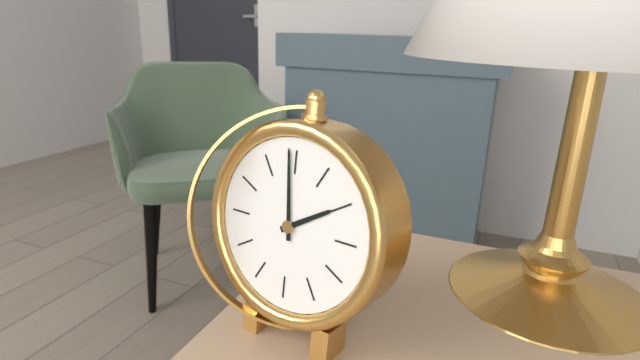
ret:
1.59
